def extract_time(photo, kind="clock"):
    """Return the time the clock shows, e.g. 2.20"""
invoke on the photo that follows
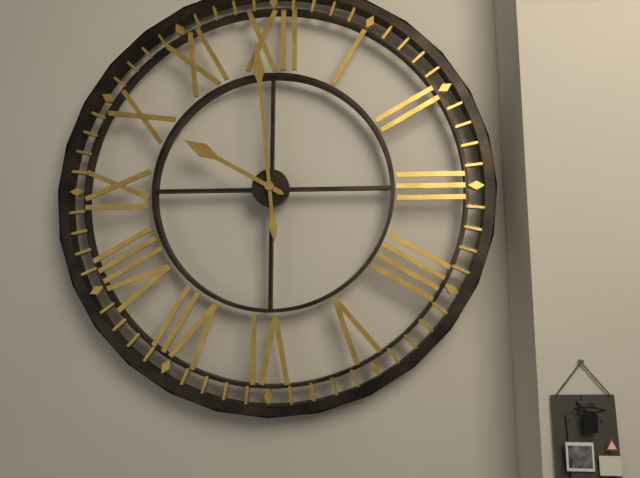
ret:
9.59
